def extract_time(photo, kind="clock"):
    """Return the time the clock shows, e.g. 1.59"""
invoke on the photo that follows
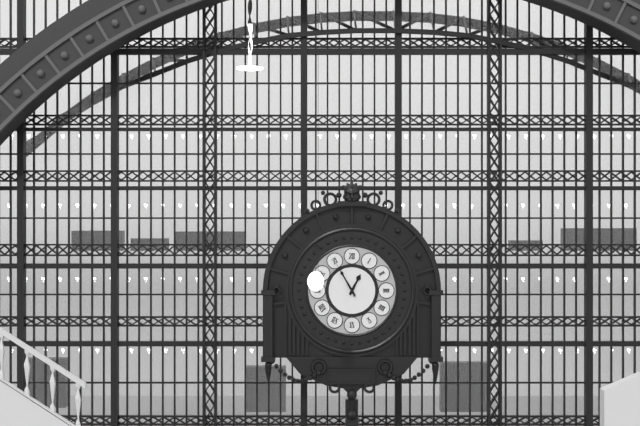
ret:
12.55
